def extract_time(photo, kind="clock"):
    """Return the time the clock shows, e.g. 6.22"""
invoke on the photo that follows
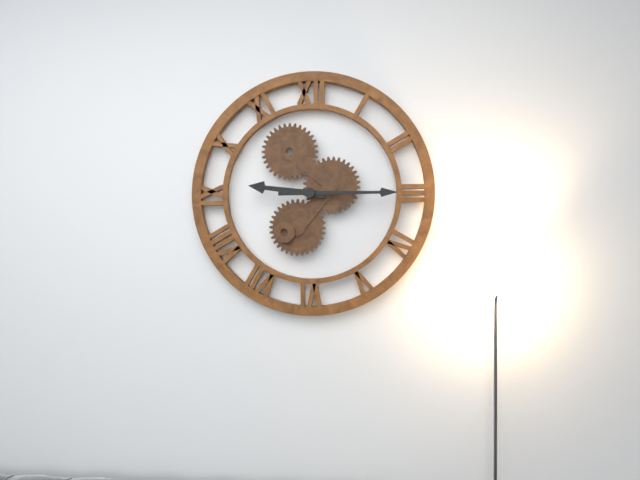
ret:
9.15
